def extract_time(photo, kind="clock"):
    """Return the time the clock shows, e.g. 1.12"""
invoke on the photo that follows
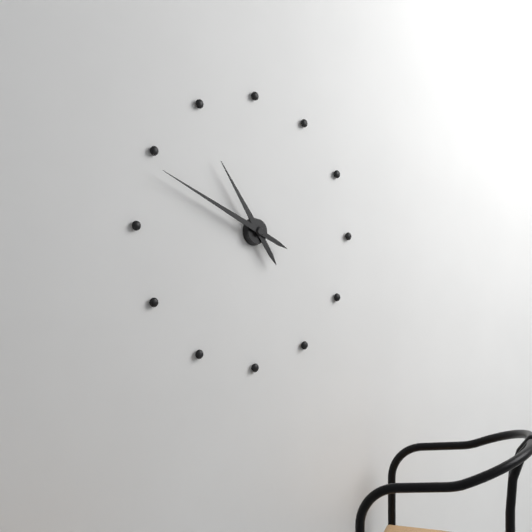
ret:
10.49
